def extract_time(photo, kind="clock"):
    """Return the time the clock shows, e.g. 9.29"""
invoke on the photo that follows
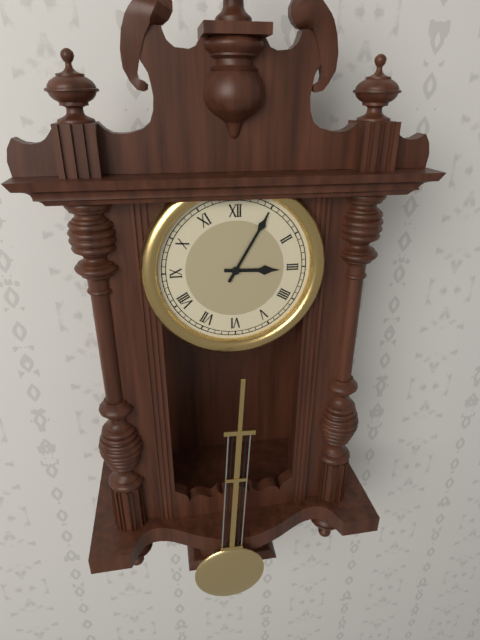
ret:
3.05
